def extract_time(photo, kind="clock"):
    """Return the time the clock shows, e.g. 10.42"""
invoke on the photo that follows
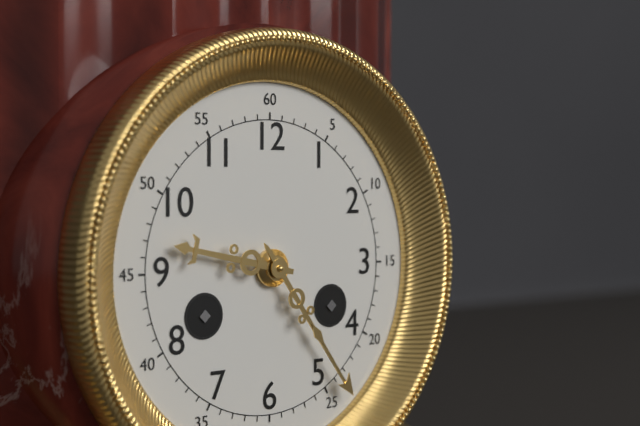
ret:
9.24
